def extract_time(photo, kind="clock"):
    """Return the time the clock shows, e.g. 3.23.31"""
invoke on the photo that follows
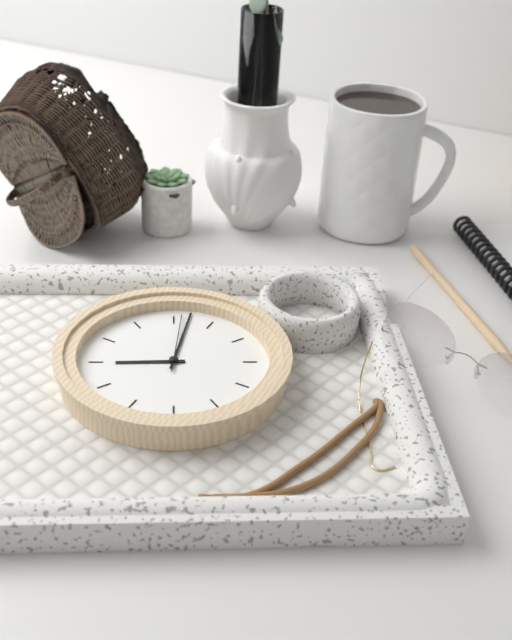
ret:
7.57.56
